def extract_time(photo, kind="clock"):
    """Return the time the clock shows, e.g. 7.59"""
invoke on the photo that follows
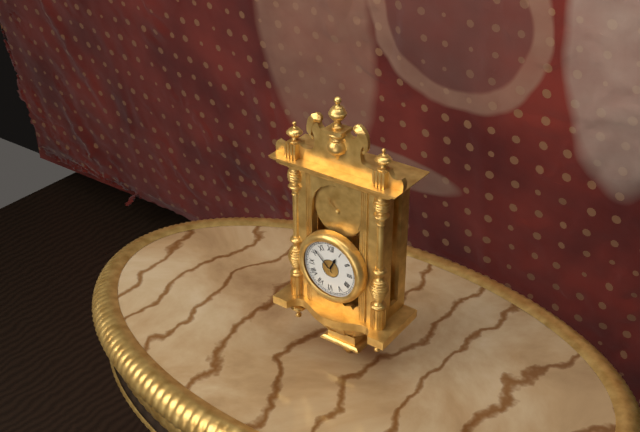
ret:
12.52
